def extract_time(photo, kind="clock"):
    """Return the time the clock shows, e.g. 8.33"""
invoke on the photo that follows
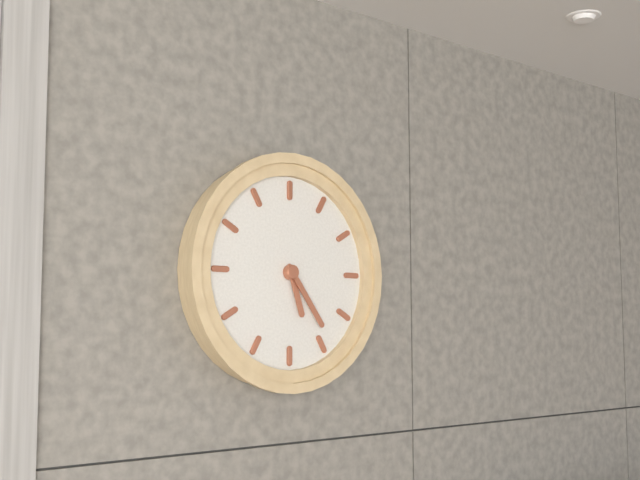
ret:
5.24
